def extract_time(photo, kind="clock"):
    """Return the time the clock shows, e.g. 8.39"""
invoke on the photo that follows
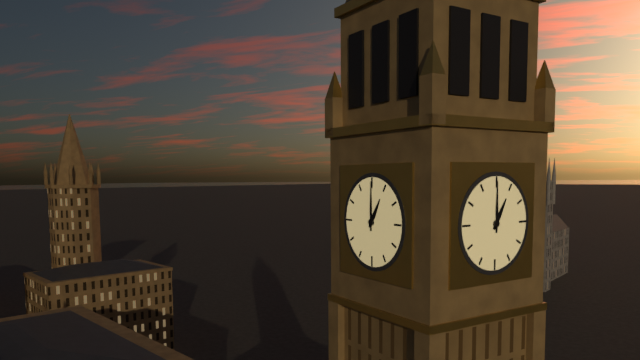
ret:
1.00
